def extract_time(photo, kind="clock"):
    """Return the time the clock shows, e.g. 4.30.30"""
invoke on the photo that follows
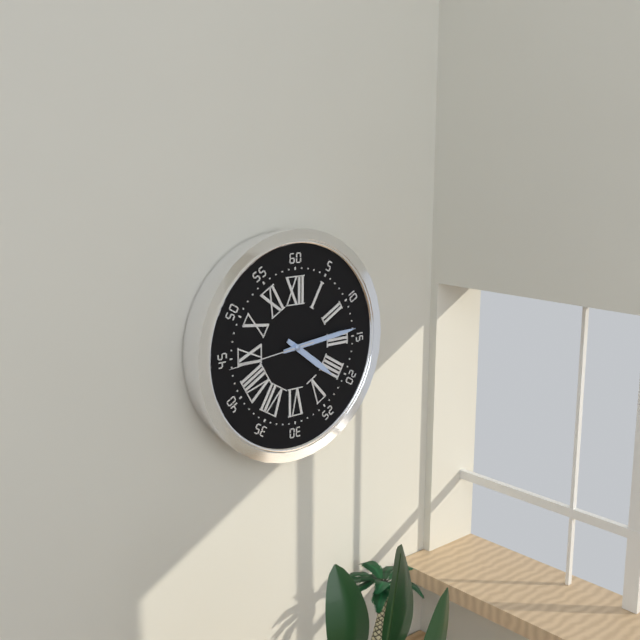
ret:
4.14.44
